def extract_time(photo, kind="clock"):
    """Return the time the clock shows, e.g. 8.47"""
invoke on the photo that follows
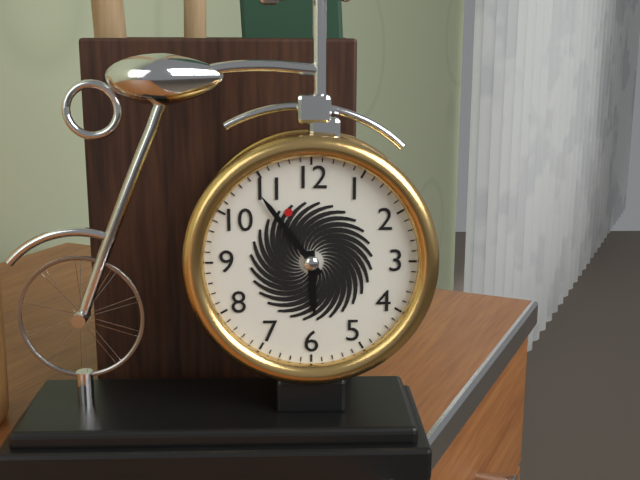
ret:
5.54
